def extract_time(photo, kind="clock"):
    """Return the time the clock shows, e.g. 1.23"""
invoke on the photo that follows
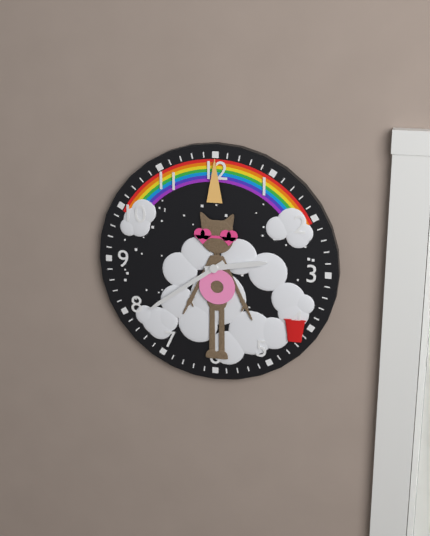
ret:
2.39
